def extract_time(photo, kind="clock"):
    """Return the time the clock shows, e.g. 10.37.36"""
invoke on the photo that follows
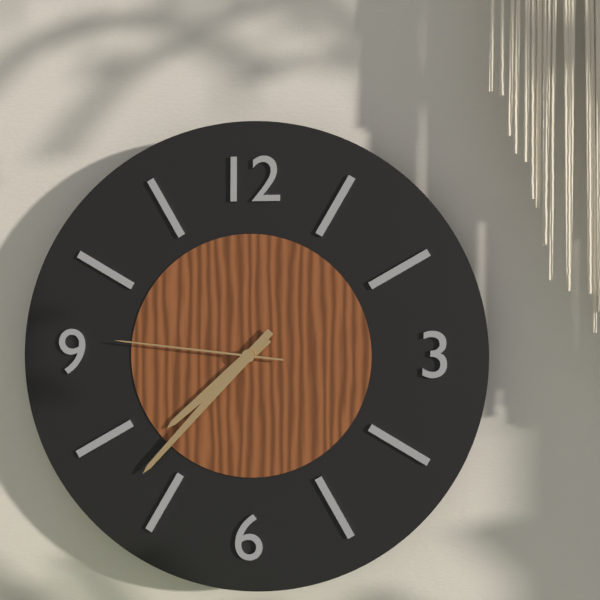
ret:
7.37.46
